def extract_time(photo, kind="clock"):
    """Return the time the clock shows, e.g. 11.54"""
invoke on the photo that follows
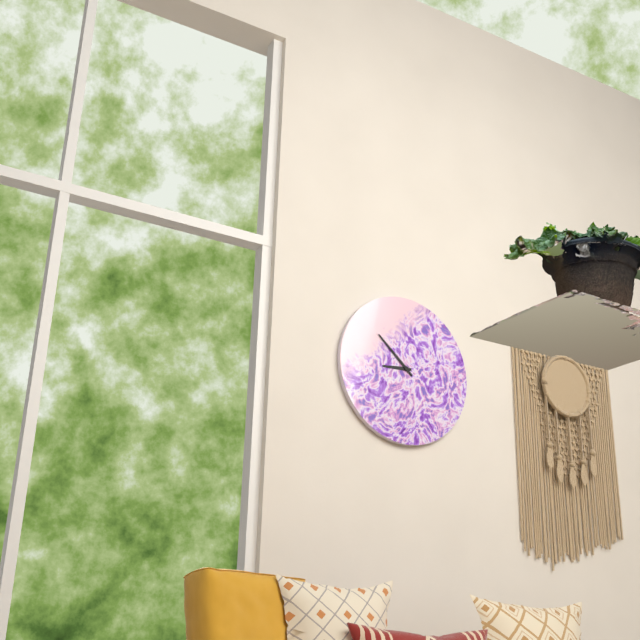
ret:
8.52
